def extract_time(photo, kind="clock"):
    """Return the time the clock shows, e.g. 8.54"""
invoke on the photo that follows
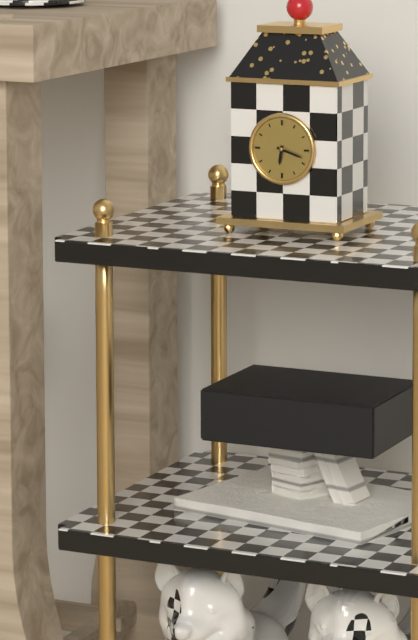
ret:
6.18
